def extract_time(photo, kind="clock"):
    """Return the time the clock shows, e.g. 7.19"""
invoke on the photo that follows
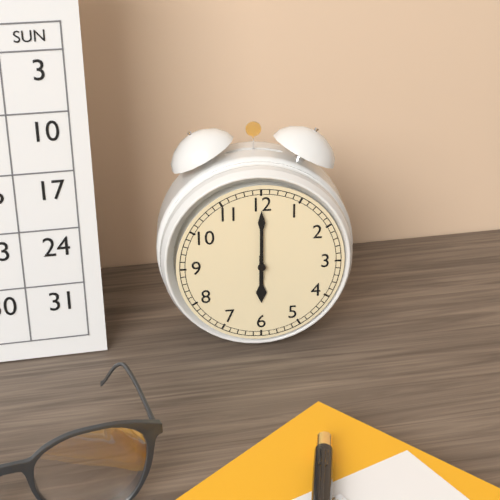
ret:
6.00
